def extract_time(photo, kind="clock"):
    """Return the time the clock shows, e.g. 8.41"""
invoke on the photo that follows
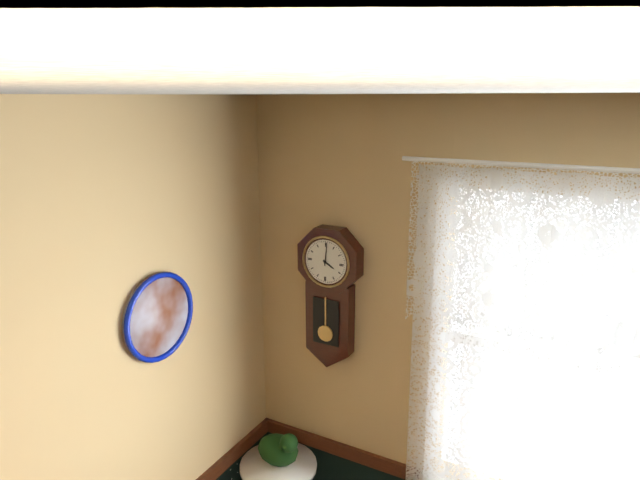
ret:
4.01
